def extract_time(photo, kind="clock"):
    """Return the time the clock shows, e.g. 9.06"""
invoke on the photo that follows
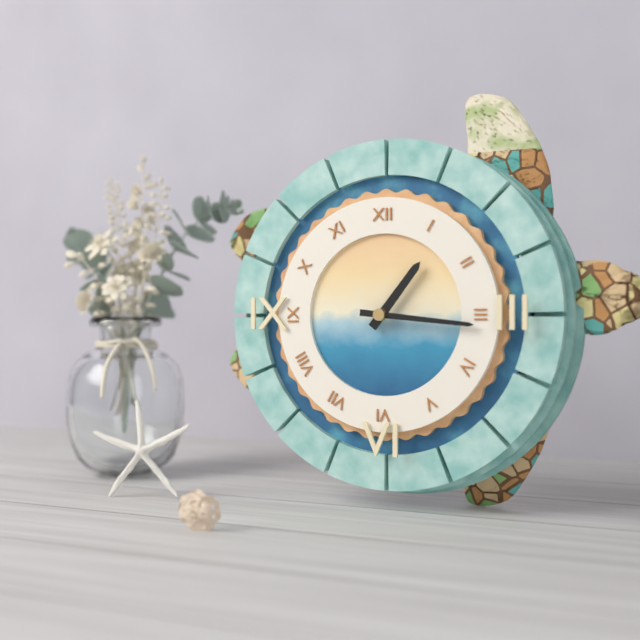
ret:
1.16
